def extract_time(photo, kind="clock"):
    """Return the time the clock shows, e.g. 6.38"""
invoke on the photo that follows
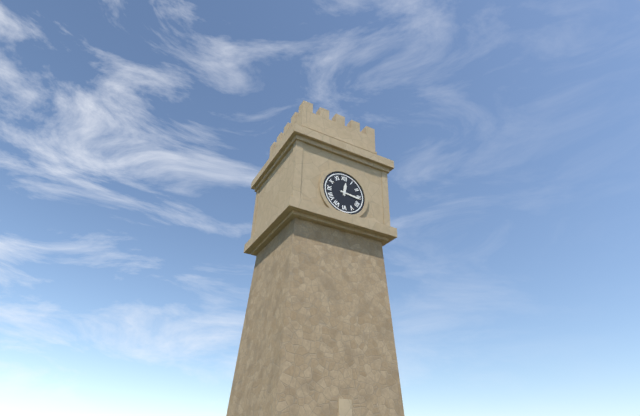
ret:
12.16
